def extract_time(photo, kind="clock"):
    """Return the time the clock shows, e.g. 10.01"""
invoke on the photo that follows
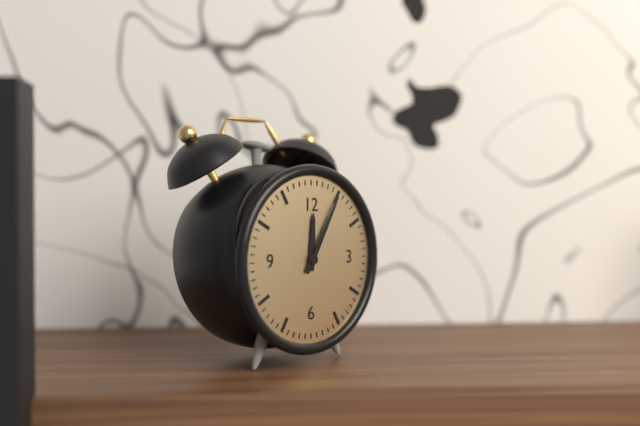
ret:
12.05
